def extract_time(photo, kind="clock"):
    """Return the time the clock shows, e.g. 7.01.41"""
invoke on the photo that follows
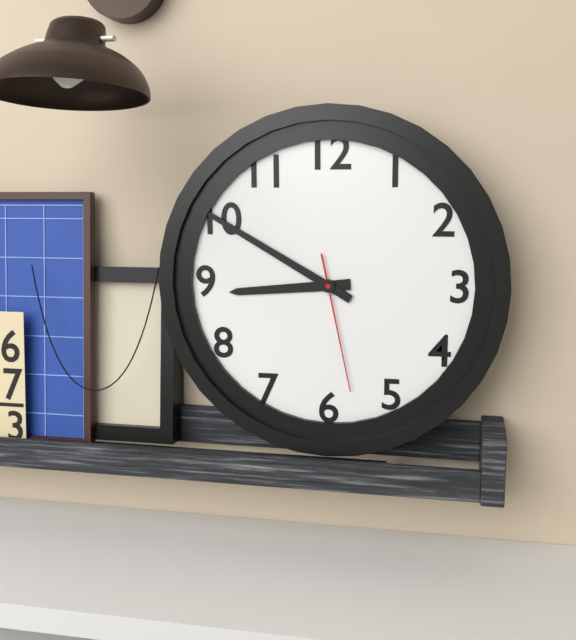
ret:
8.50.28
